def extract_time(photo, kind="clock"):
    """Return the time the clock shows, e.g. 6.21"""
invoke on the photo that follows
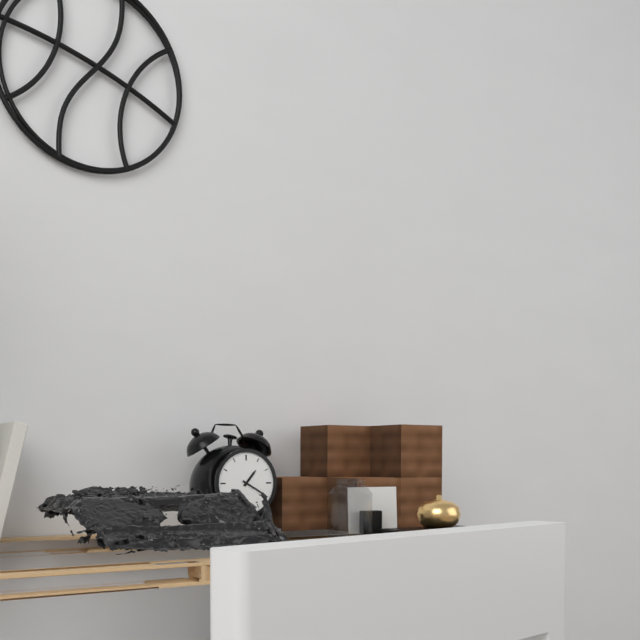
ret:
1.20
